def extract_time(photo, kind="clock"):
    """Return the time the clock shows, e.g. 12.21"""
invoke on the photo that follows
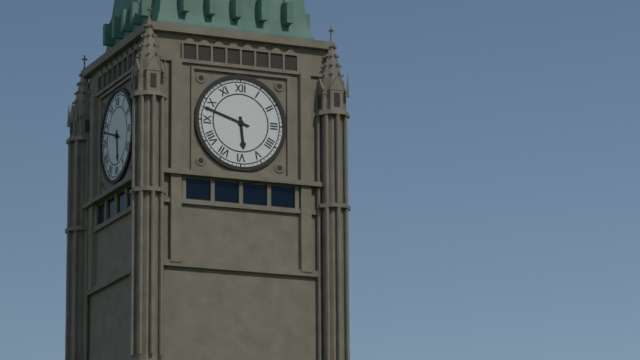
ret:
5.48
